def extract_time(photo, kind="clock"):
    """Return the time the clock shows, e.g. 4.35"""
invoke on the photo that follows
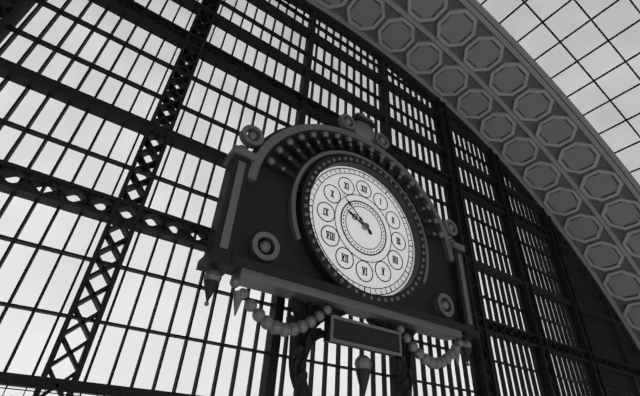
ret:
9.52
